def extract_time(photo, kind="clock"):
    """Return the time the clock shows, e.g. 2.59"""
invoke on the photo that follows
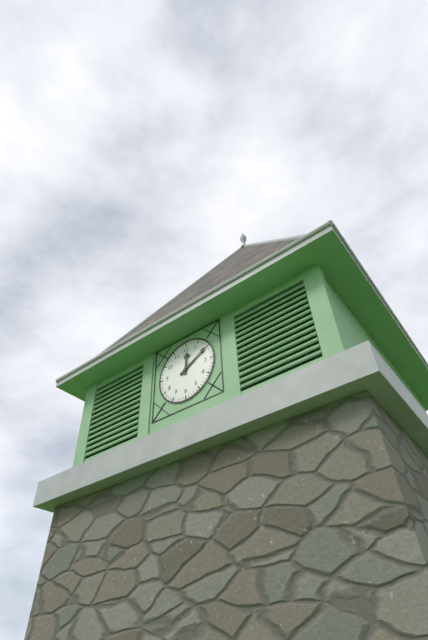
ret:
12.10
